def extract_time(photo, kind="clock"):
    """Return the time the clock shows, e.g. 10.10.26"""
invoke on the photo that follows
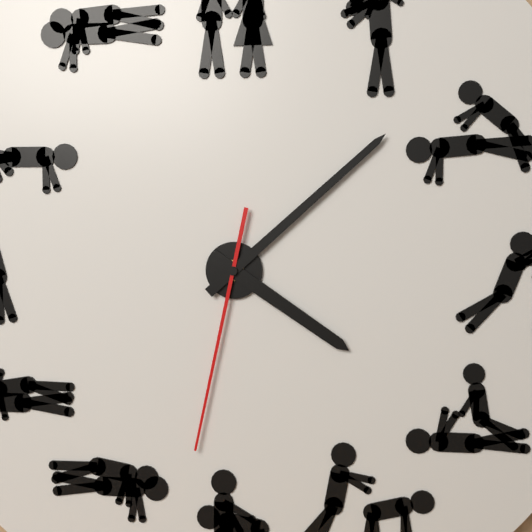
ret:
4.08.32
